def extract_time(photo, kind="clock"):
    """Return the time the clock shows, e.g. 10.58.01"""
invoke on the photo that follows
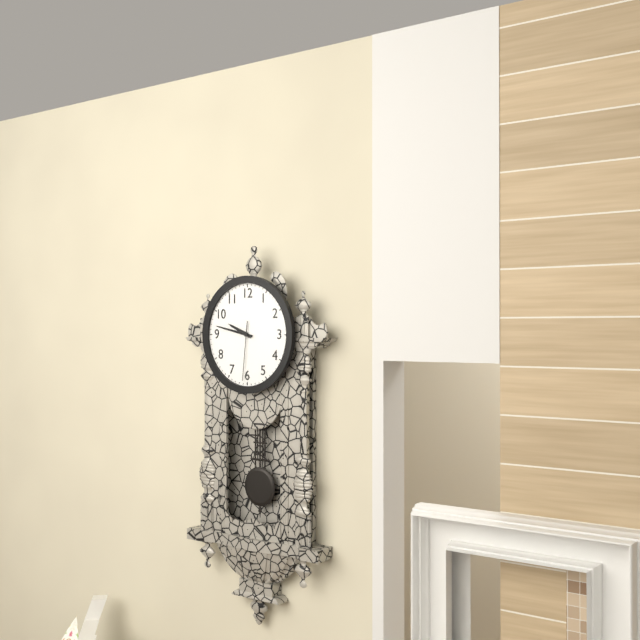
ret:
9.47.31
